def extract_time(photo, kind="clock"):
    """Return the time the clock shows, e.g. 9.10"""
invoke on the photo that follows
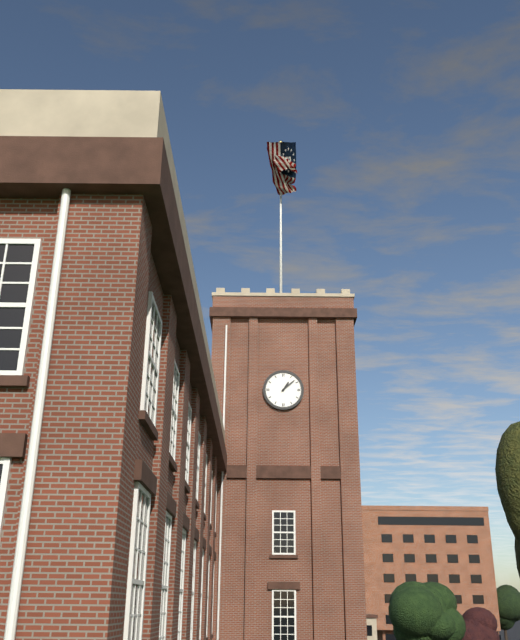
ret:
1.08
